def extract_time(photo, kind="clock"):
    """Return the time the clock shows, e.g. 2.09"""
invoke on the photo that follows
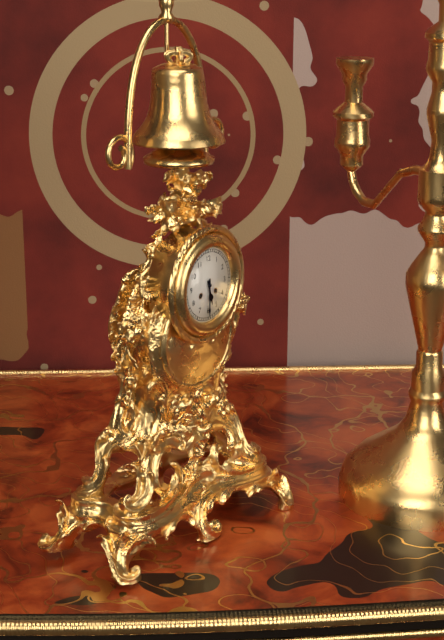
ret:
5.30
